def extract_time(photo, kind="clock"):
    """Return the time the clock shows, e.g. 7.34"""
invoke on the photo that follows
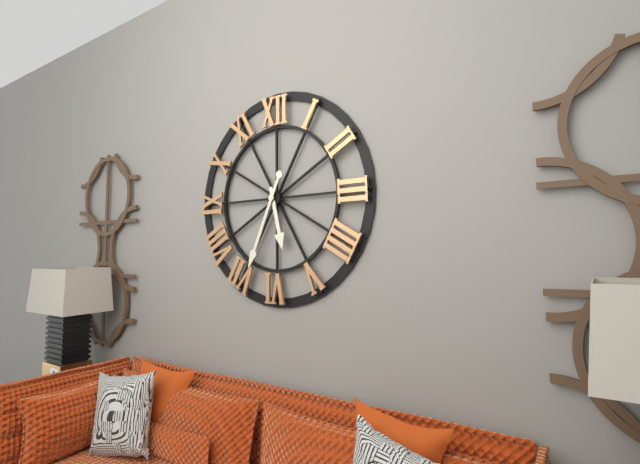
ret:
5.34
